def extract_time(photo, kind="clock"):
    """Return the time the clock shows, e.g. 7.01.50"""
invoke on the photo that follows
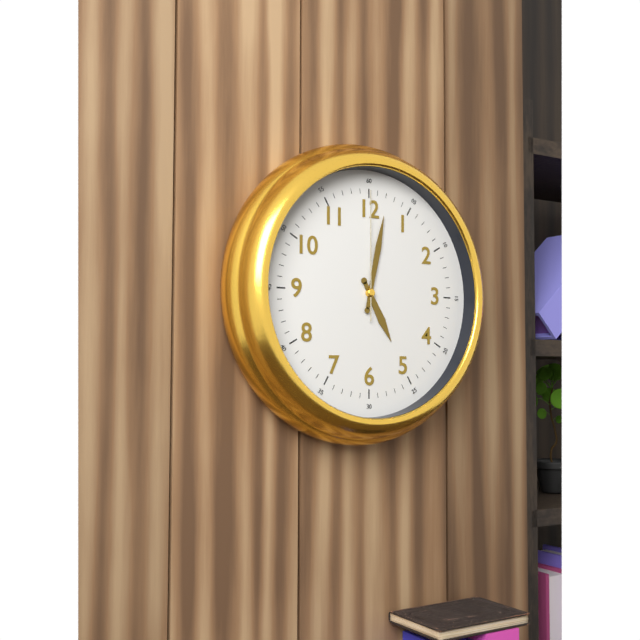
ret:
5.02.00
